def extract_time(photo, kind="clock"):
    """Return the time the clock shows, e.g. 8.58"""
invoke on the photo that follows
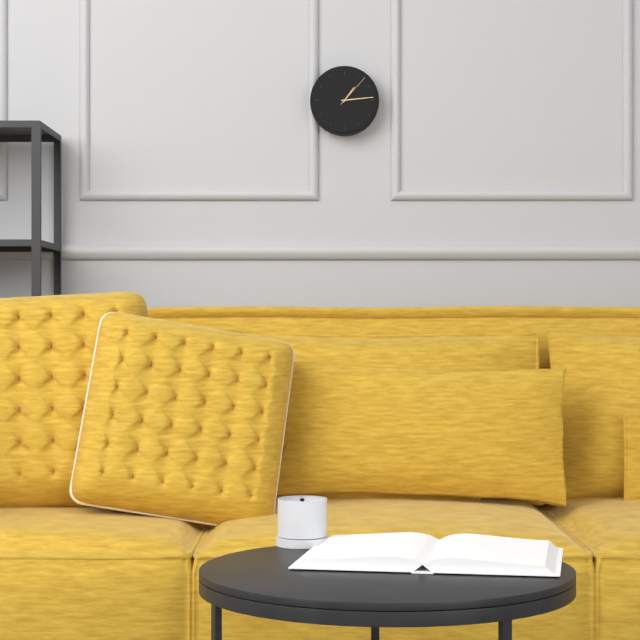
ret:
1.14
